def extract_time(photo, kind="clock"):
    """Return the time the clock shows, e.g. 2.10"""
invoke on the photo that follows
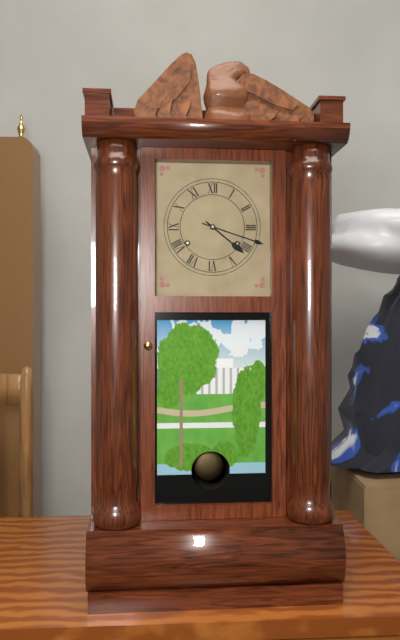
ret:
4.18
